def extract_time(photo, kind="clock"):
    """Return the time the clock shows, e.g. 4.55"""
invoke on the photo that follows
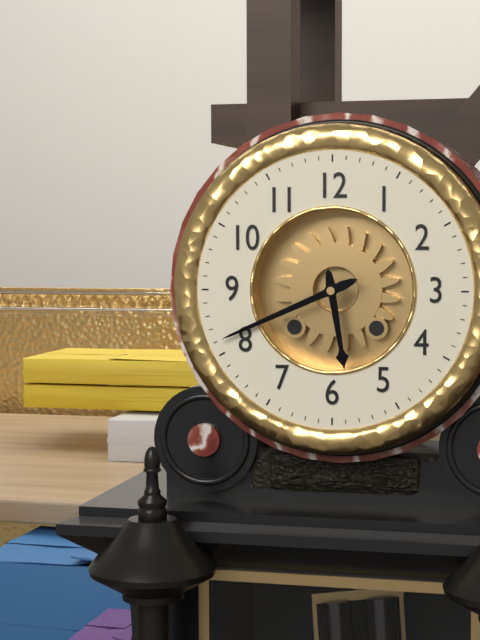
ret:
5.41
